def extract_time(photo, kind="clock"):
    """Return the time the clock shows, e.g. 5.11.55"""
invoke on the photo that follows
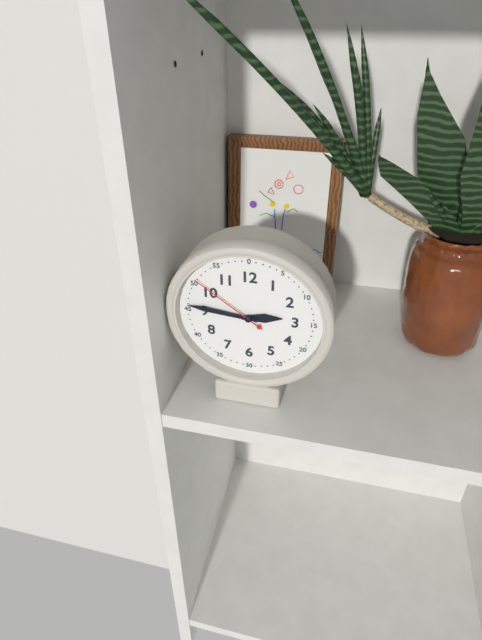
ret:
2.46.51
